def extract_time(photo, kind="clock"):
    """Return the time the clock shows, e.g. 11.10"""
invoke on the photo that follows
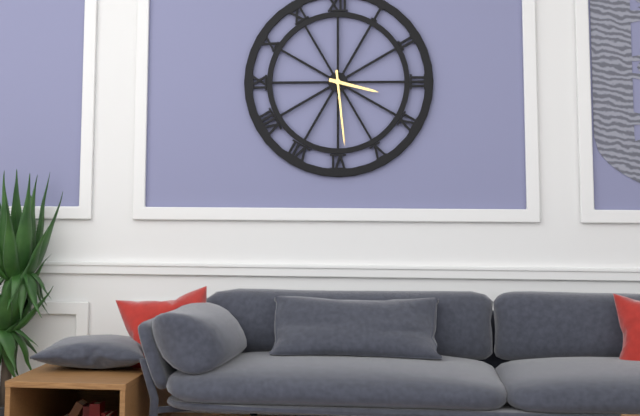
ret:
3.29
